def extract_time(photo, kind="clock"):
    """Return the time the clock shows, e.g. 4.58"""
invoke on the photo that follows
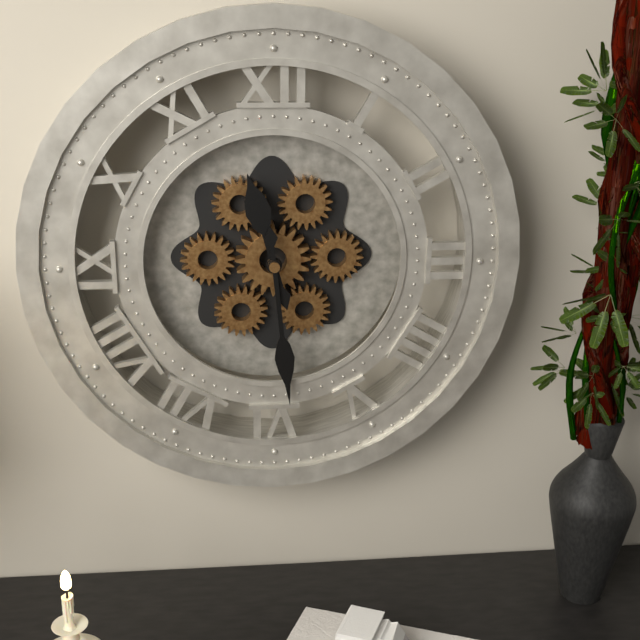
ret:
11.29
